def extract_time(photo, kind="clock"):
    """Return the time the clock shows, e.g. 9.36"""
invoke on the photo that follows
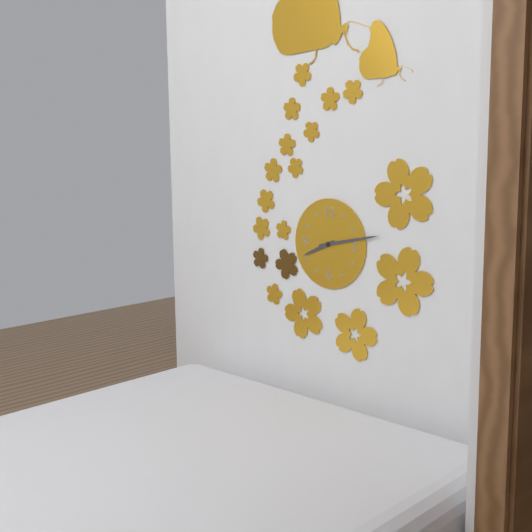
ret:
8.13
